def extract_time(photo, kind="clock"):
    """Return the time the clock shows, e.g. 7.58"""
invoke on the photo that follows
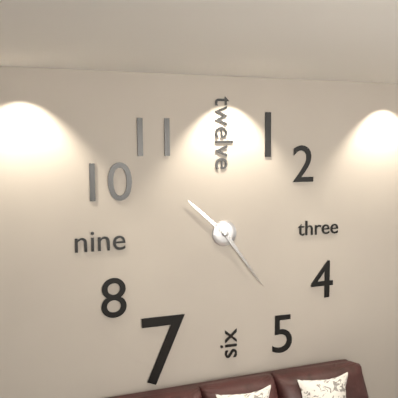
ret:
10.24
